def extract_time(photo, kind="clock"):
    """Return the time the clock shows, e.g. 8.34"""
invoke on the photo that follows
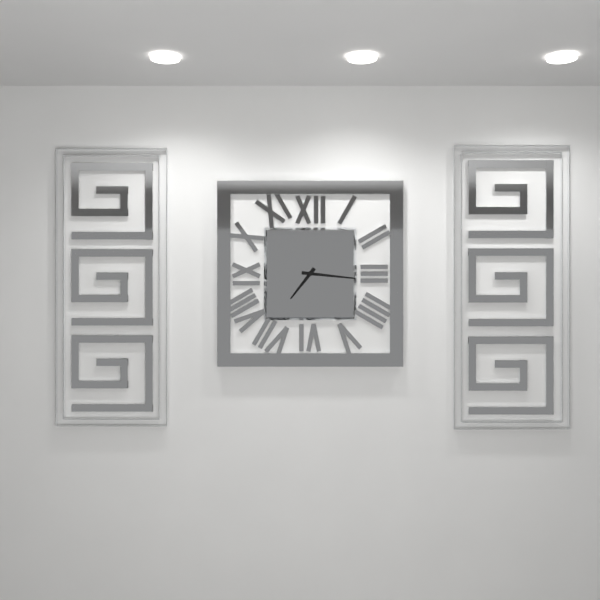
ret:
7.16
